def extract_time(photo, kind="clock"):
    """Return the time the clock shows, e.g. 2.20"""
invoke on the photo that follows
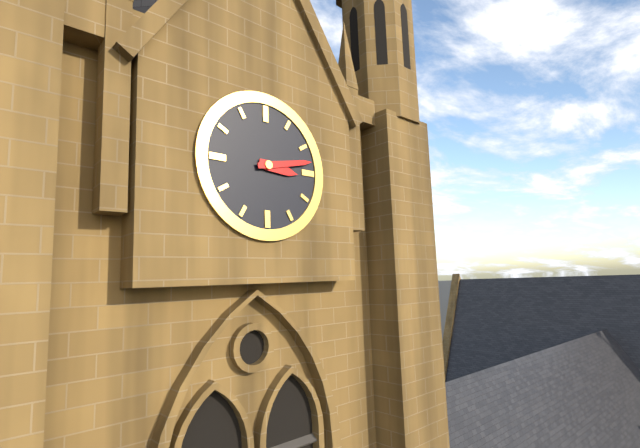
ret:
3.13
